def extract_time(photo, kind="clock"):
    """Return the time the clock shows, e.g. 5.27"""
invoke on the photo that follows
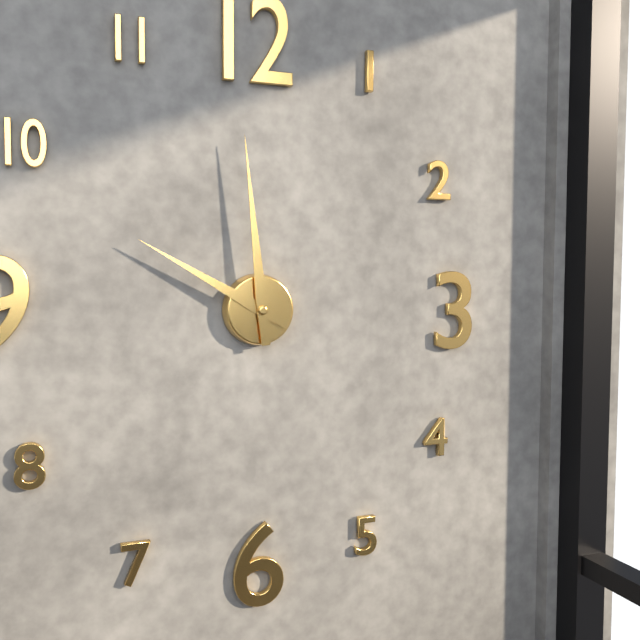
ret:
9.59
